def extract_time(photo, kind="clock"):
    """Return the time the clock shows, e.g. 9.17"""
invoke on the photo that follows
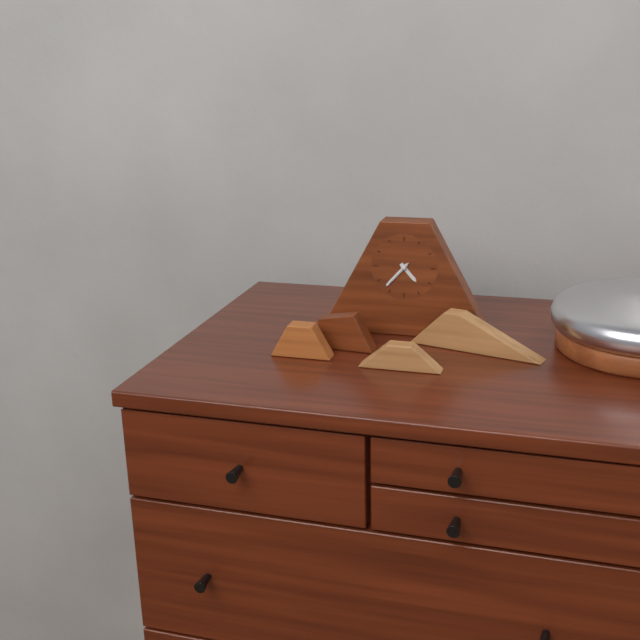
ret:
4.37
